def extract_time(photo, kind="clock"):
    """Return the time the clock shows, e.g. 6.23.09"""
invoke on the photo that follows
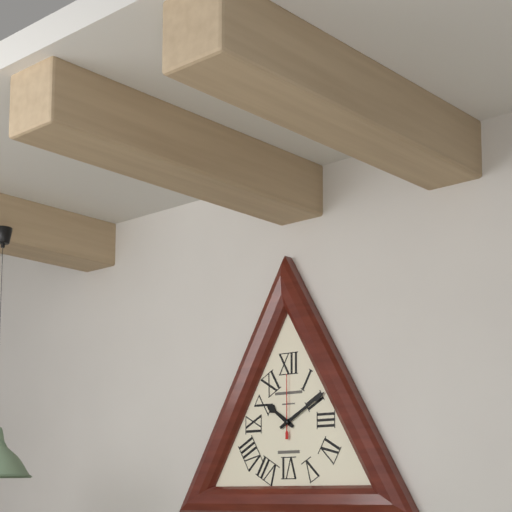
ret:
10.10.00
